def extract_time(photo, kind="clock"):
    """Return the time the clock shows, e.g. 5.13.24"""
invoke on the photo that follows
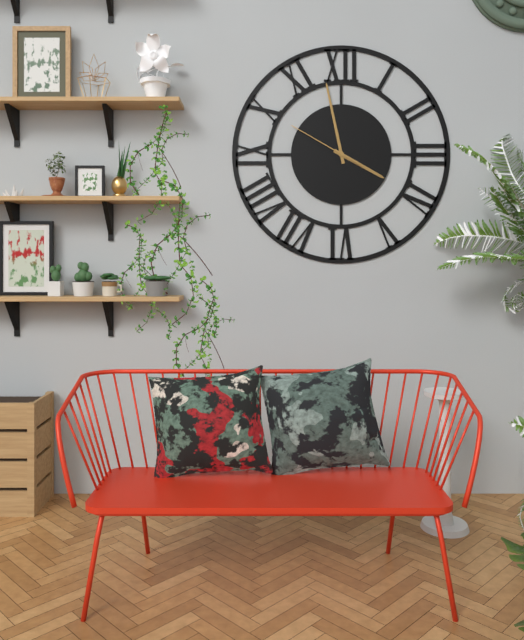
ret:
3.58.50
